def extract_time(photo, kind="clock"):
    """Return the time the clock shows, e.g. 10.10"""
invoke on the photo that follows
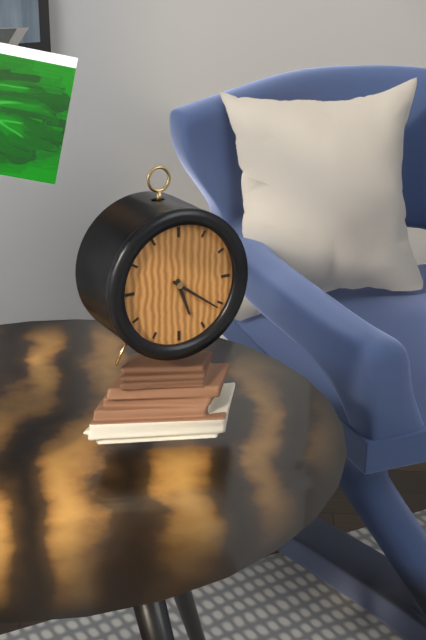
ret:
5.21
